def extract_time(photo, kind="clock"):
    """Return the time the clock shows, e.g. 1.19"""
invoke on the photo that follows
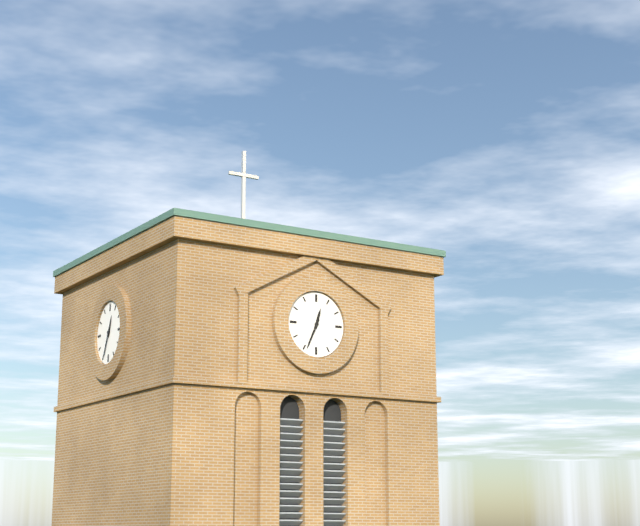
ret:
12.34
